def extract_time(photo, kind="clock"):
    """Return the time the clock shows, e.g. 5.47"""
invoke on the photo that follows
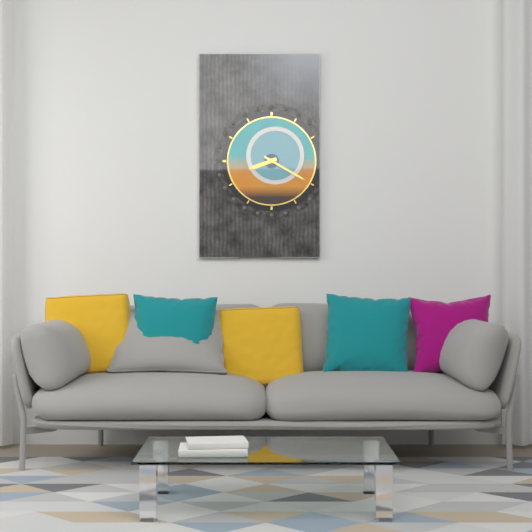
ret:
8.20
